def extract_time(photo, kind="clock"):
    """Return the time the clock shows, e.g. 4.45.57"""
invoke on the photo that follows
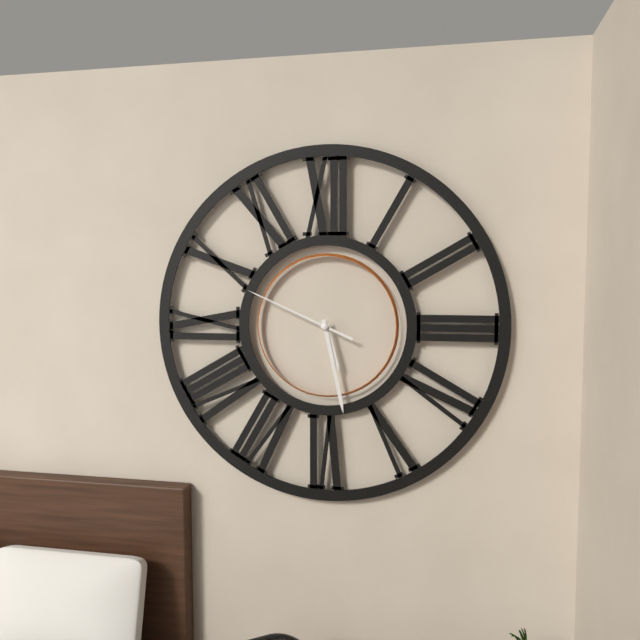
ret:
5.28.49
